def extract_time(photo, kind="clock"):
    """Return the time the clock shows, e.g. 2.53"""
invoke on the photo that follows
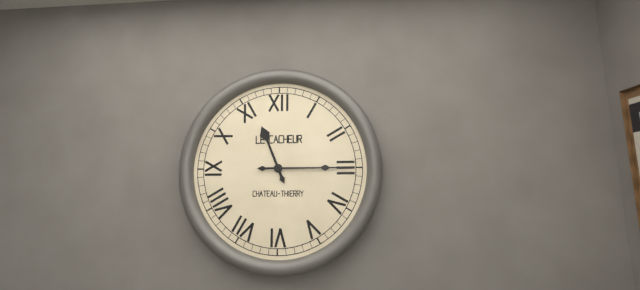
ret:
11.15
